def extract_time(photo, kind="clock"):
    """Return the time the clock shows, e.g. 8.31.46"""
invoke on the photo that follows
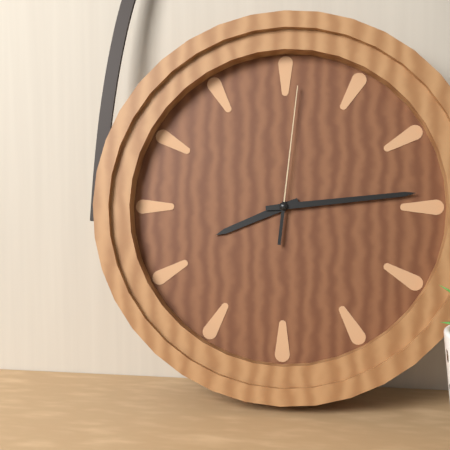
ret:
8.14.01
